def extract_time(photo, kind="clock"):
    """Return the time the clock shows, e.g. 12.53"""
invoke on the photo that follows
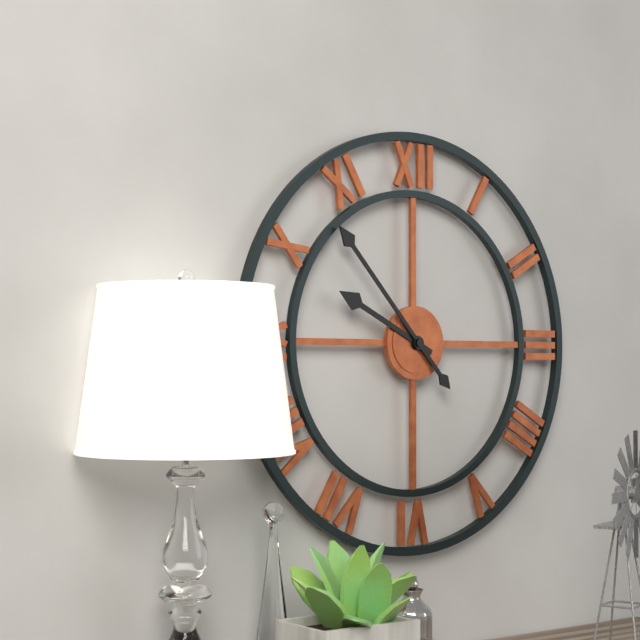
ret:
9.53
